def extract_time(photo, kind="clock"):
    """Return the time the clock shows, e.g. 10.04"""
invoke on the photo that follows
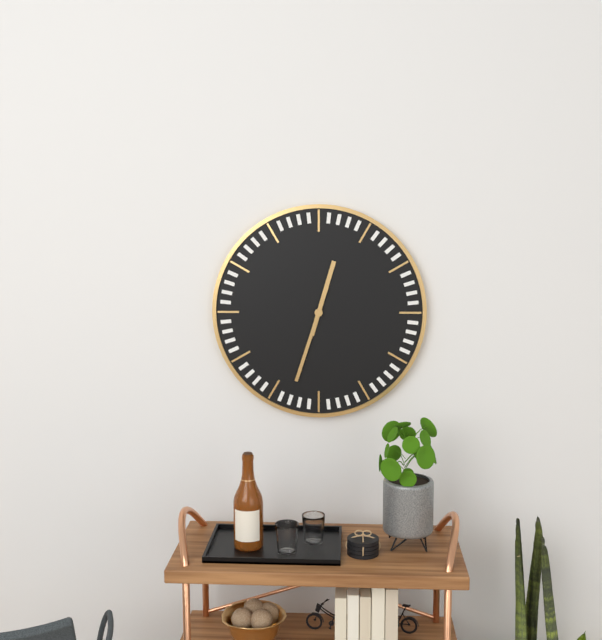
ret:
12.33
